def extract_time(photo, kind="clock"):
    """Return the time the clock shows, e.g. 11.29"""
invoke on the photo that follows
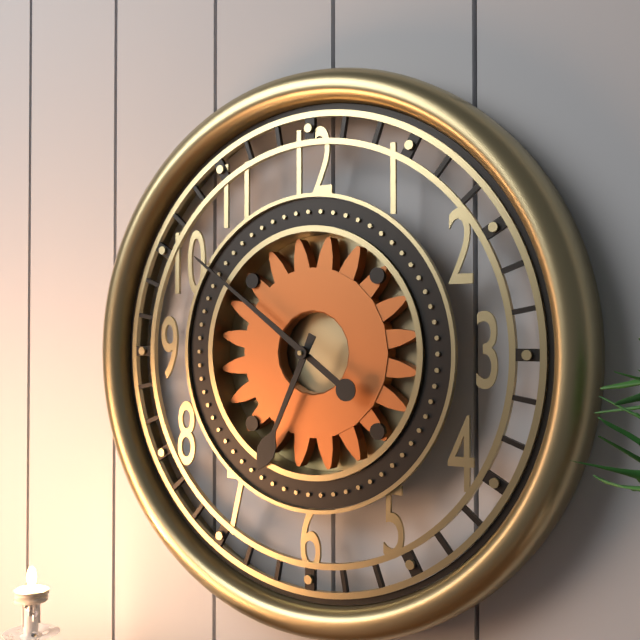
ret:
6.51
